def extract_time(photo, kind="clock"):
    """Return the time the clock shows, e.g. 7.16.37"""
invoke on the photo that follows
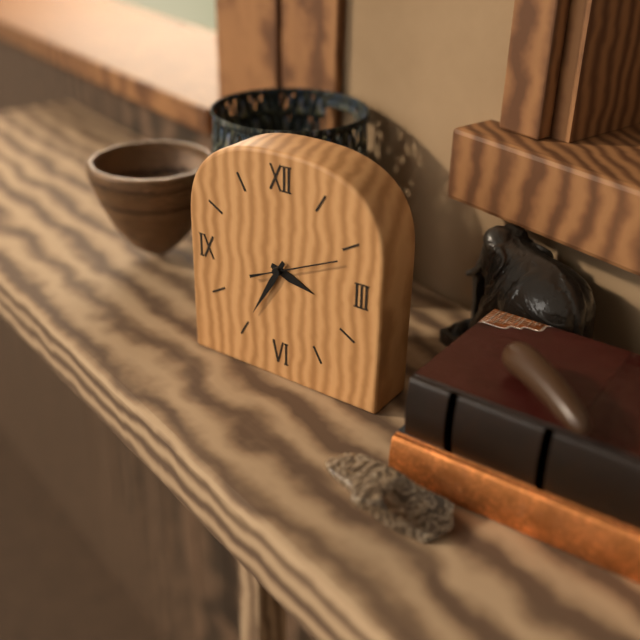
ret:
3.35.11
